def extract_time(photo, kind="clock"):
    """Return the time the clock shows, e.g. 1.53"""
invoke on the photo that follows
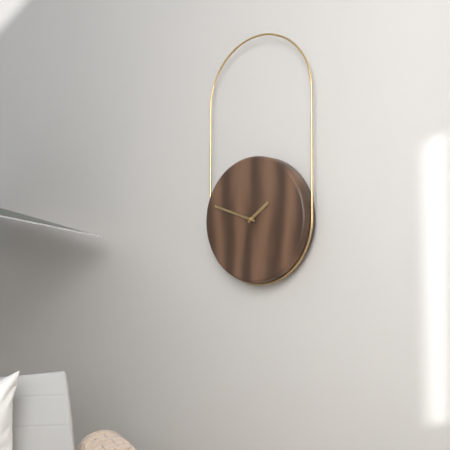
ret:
1.48
